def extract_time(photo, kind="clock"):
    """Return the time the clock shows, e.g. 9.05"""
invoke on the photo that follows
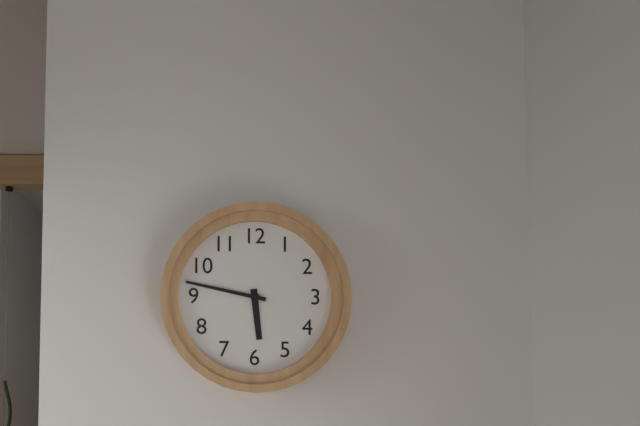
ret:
5.47
